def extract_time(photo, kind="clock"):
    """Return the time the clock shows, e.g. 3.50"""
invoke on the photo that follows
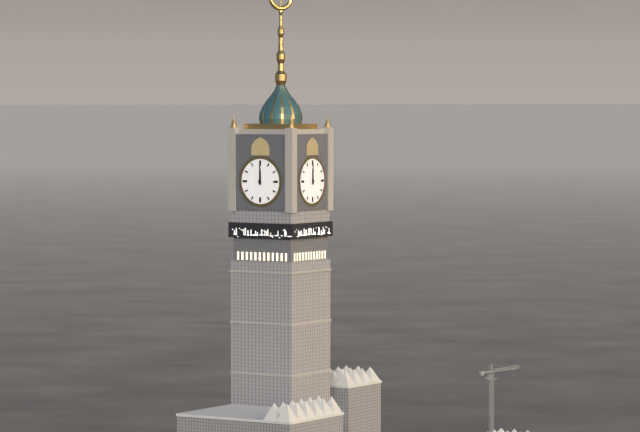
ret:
12.00
